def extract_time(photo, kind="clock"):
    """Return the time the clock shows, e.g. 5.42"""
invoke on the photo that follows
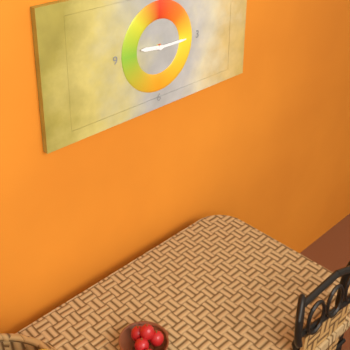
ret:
9.15
